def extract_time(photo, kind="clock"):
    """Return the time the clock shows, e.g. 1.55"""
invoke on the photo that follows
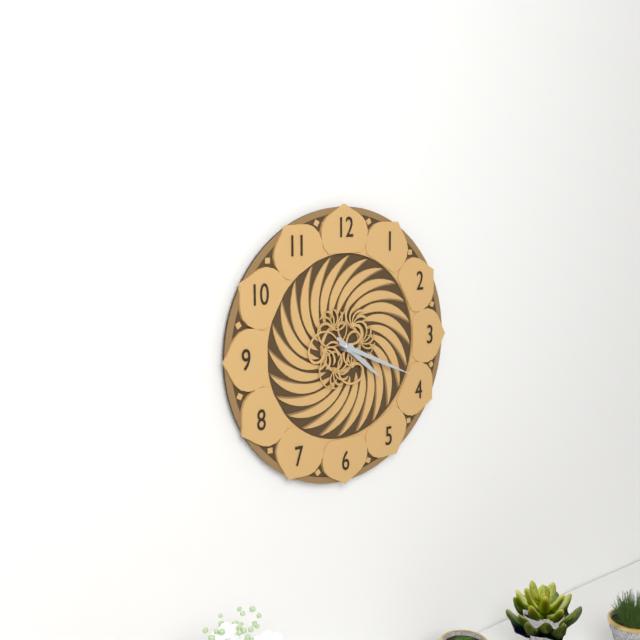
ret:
4.19
